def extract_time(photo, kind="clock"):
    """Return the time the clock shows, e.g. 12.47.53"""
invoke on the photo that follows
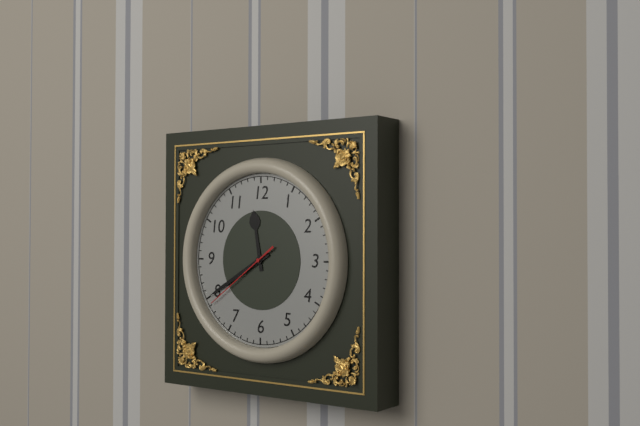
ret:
11.40.39
